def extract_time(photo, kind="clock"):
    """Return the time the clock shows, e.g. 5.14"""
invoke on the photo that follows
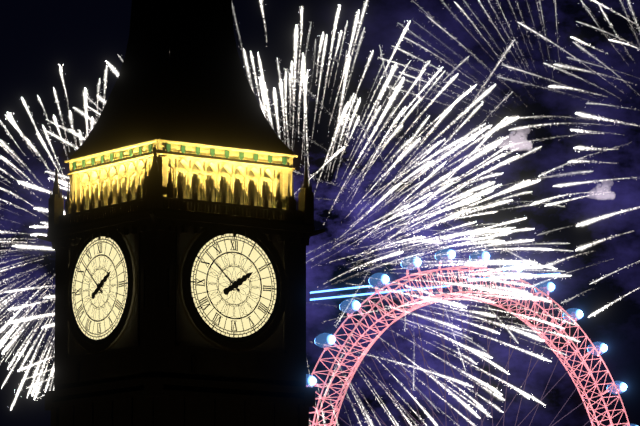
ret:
1.52
